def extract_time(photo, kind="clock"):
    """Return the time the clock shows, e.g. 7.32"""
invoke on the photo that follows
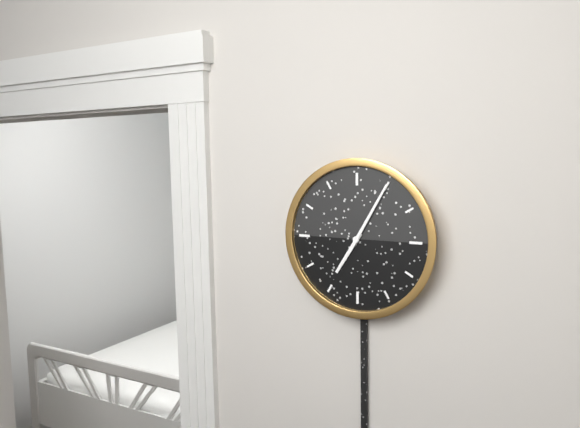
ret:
7.05
